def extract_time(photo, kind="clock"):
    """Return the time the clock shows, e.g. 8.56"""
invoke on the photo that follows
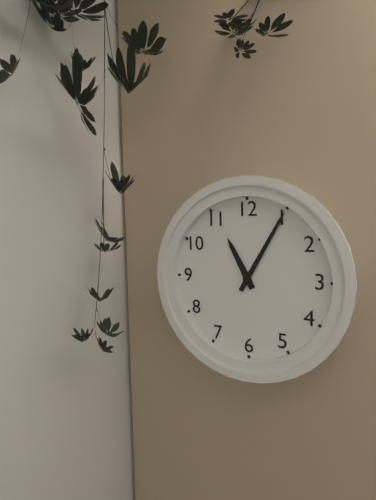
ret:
11.05
